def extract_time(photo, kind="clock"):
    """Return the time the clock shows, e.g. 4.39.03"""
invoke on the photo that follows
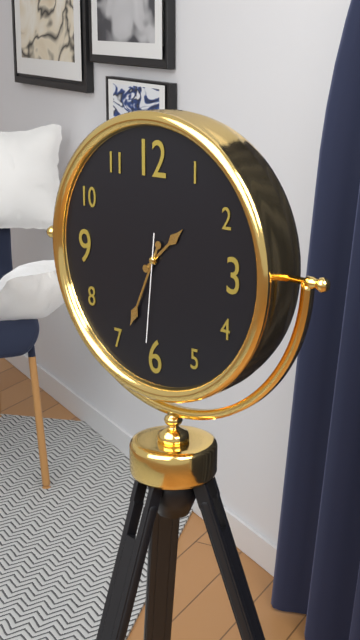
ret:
1.34.31
